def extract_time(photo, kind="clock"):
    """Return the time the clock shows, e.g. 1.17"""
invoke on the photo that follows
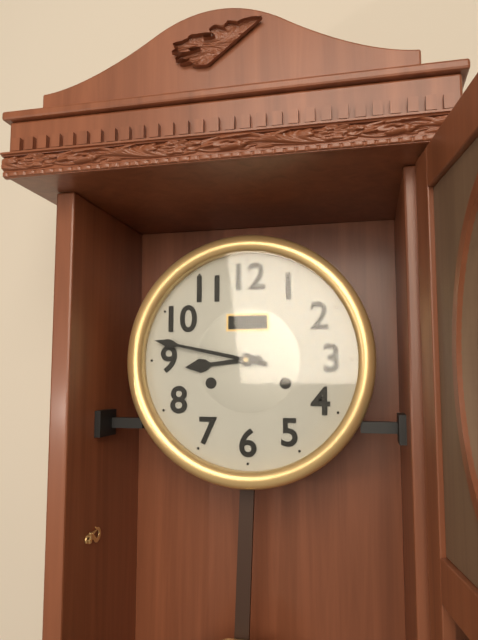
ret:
8.47
